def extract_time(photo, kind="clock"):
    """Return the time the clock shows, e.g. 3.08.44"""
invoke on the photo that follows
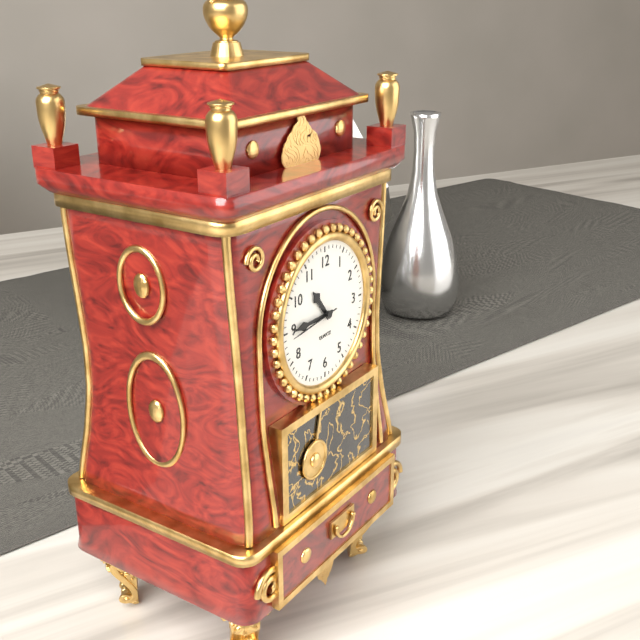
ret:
10.45.44
